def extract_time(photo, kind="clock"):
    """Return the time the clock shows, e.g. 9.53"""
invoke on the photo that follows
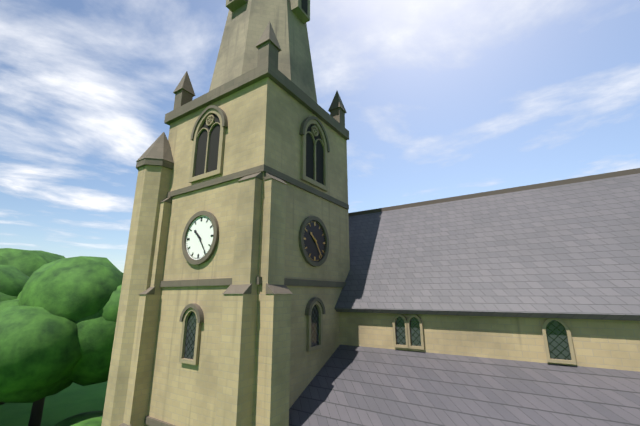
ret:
10.24
